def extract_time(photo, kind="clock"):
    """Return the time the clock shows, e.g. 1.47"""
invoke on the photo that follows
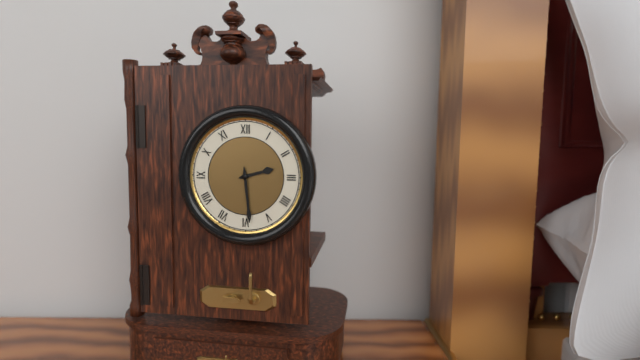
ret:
2.29
